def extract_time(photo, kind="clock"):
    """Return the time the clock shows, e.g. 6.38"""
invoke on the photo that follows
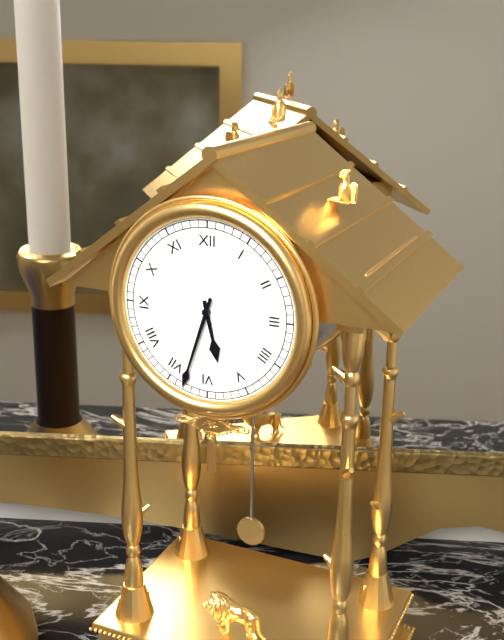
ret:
5.33
